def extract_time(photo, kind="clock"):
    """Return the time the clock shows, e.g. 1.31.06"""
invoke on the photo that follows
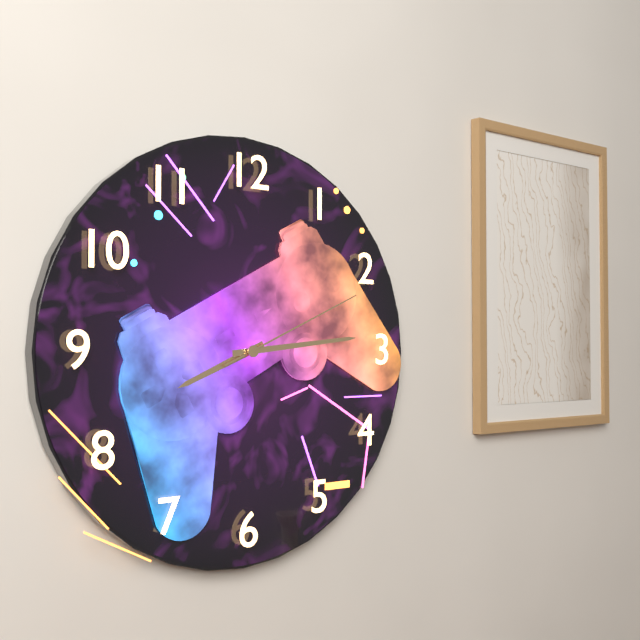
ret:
8.14.11
